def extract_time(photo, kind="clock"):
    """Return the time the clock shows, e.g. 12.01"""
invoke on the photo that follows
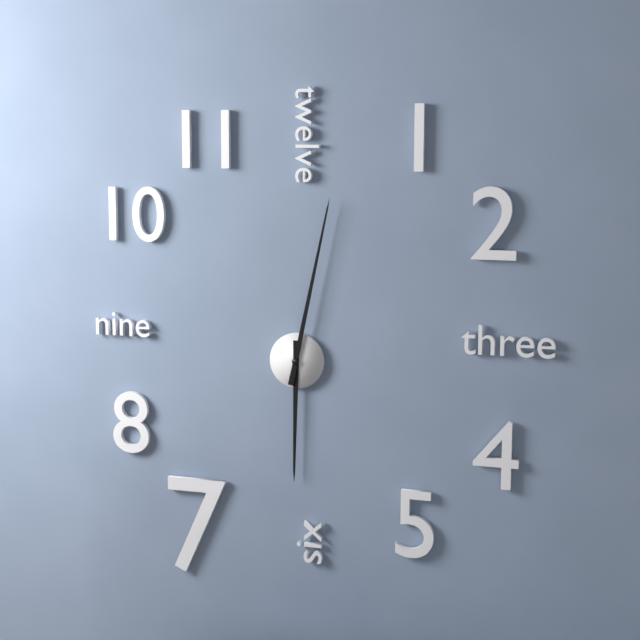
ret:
6.02
